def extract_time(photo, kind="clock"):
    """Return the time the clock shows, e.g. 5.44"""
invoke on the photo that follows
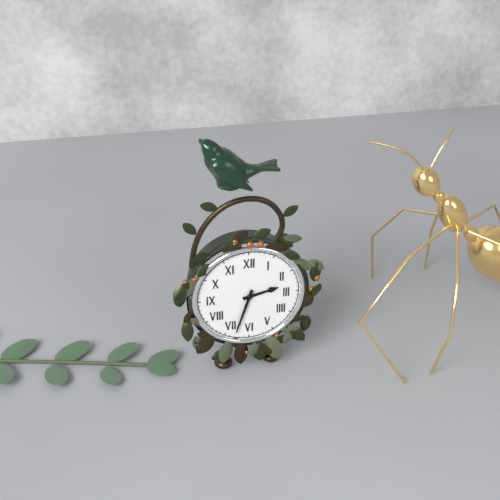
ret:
2.33
